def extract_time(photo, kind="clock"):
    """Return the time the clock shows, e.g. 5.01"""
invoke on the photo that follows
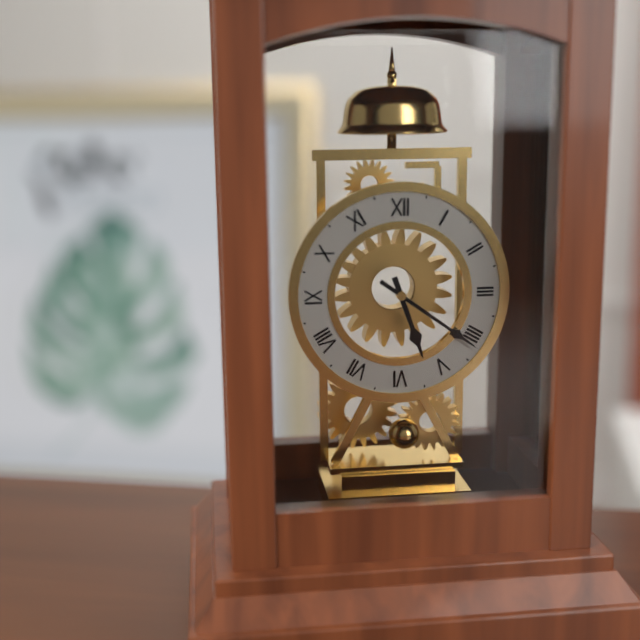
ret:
5.21
